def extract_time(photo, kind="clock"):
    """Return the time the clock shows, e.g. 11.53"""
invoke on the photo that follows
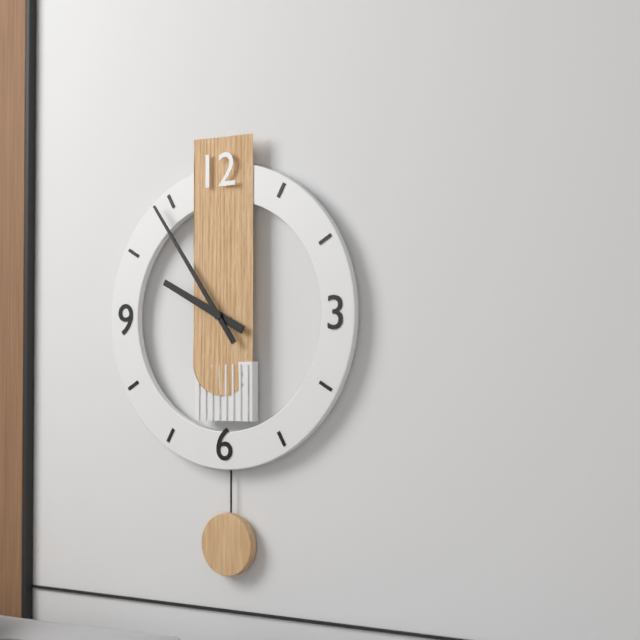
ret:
9.54
